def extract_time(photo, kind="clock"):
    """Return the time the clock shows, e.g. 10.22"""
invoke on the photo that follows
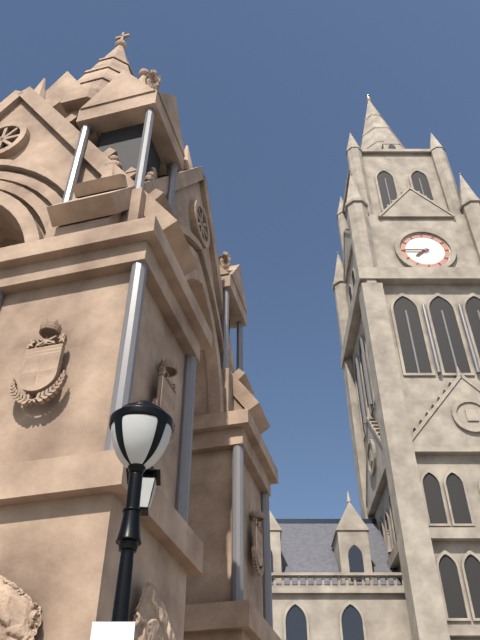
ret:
7.45
